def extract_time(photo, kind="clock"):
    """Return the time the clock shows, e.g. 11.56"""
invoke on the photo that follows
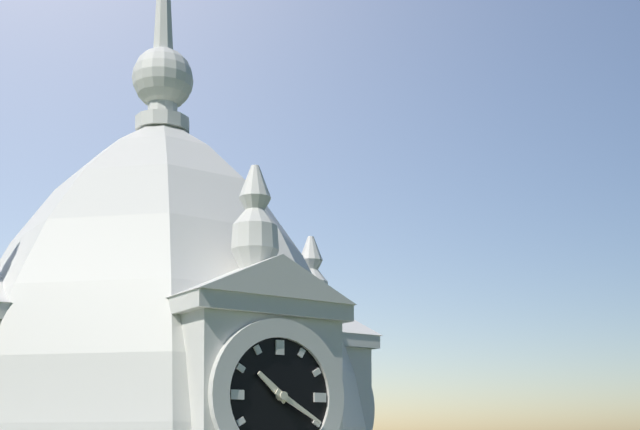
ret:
10.20
